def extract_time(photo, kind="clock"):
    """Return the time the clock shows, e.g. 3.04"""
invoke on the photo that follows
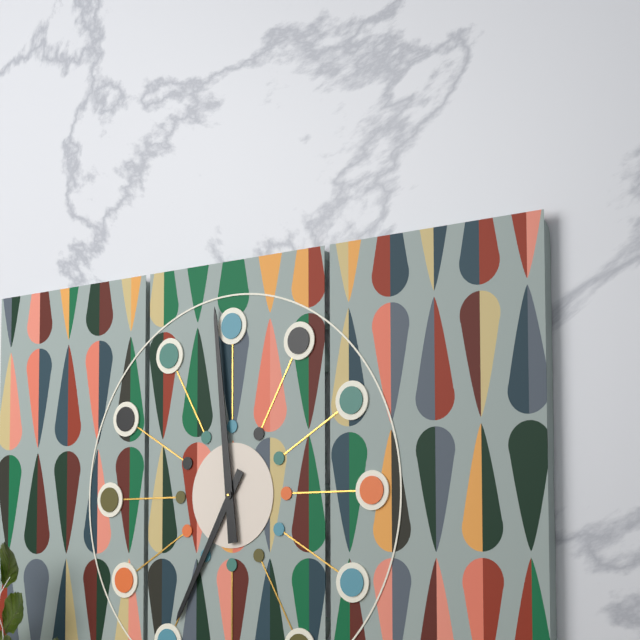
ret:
6.59
